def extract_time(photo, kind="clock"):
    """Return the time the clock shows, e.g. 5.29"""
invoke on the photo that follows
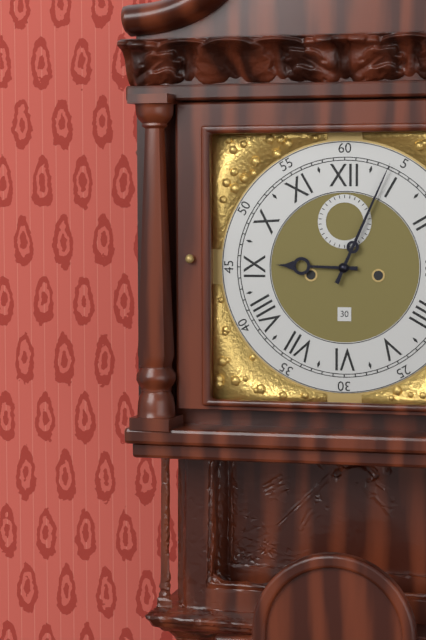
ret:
9.04
